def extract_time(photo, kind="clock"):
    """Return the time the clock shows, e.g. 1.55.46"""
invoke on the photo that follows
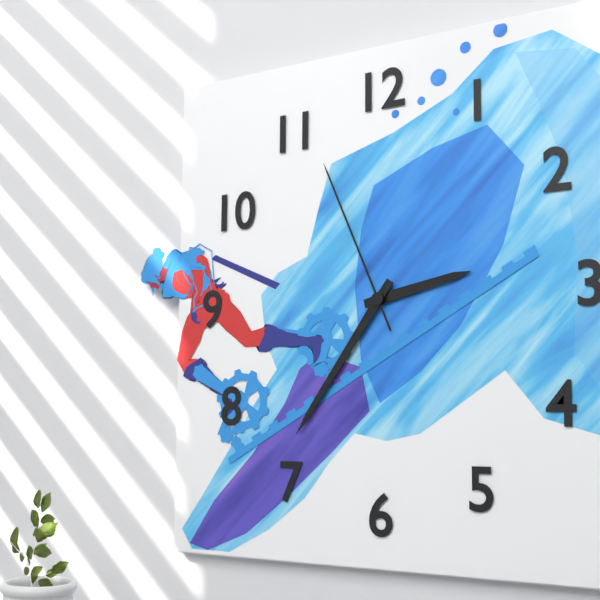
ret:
2.36.56
